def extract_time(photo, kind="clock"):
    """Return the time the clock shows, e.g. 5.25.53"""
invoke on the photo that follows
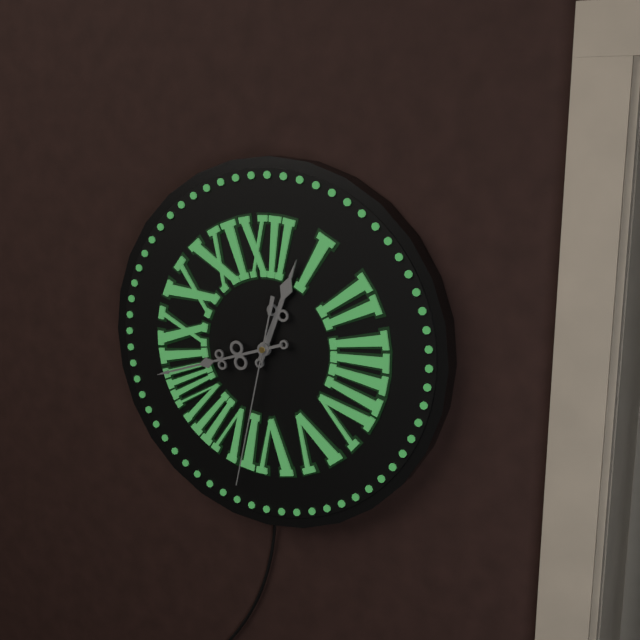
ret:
12.42.32
